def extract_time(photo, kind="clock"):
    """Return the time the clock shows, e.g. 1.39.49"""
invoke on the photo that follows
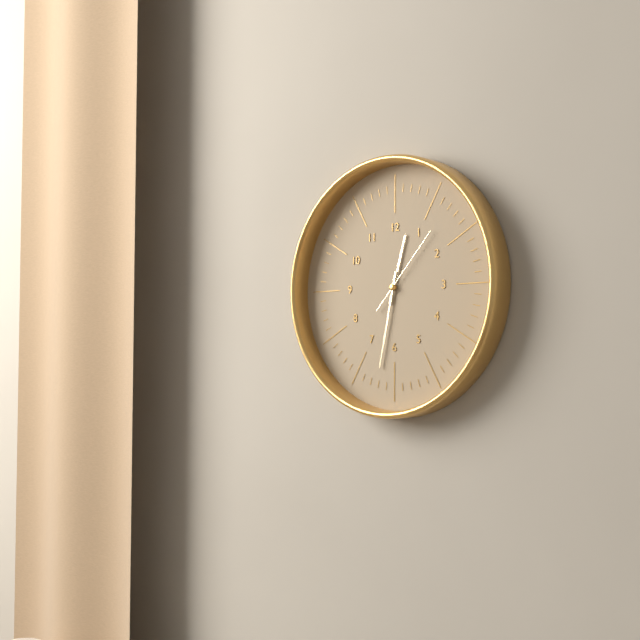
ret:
12.32.07
